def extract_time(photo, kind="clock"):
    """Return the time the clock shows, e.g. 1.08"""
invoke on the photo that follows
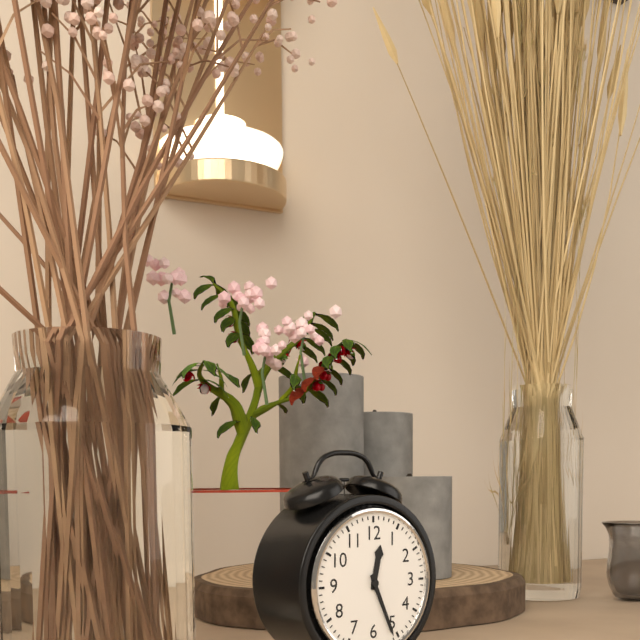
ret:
12.26
